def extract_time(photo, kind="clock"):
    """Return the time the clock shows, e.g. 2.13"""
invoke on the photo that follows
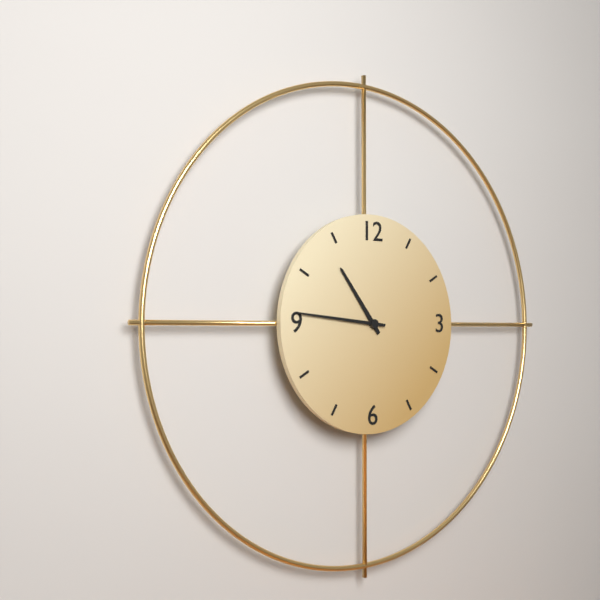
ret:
10.46
